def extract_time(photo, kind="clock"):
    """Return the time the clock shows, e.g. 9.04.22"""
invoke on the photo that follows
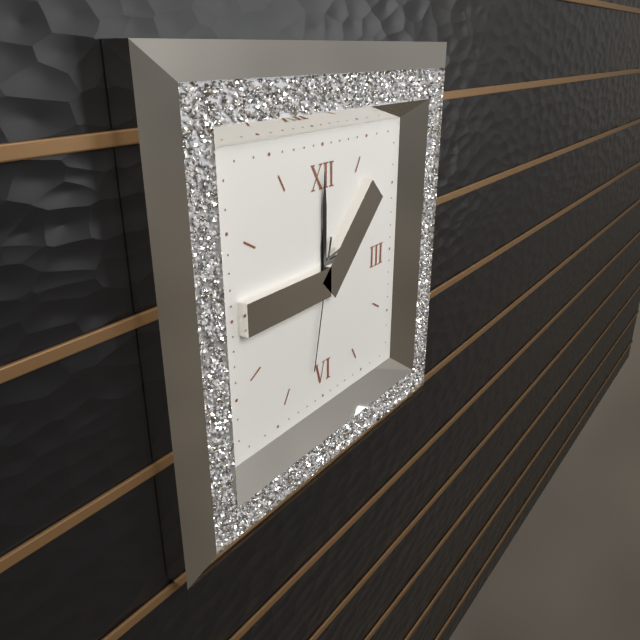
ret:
12.00.32
